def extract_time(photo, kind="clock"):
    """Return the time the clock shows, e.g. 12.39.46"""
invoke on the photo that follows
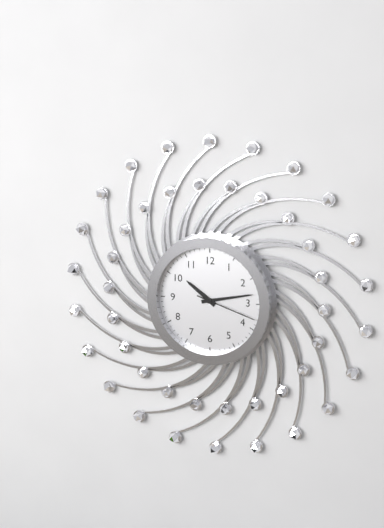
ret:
10.13.18
